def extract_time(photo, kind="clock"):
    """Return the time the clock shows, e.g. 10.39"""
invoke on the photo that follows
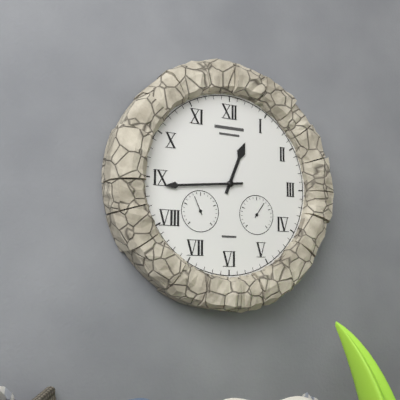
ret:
12.44
